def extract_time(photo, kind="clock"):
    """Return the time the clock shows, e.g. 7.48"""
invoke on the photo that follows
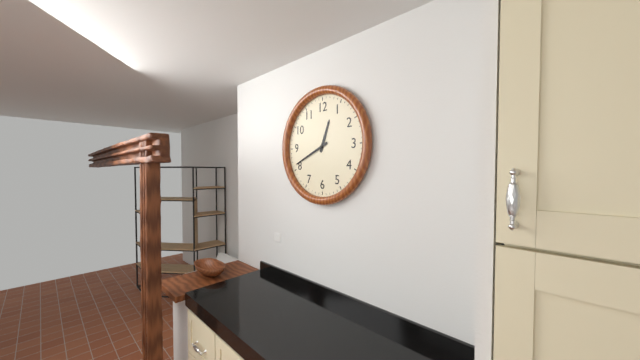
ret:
12.41
